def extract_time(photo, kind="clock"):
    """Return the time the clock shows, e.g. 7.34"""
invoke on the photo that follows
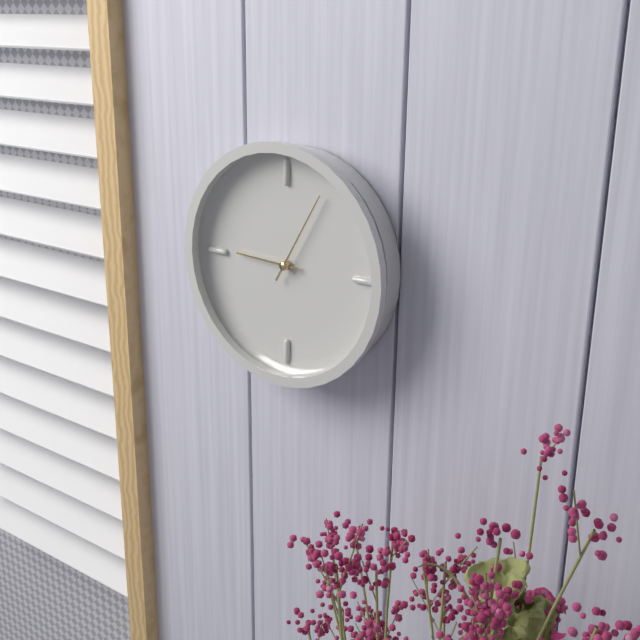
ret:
9.05
